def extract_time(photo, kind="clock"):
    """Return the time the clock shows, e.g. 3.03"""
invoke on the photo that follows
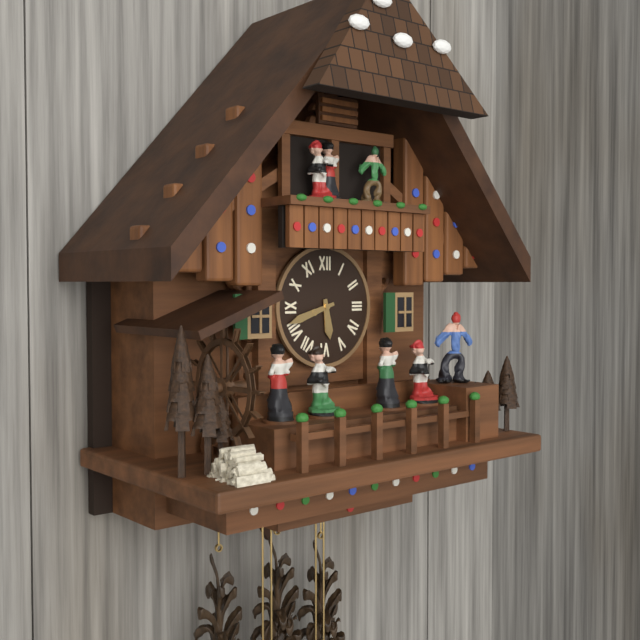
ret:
5.42
